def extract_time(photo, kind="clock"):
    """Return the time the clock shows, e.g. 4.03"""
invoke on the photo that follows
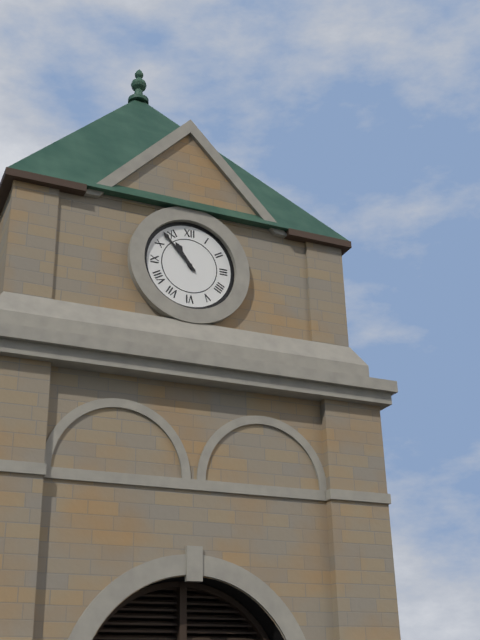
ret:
10.53
